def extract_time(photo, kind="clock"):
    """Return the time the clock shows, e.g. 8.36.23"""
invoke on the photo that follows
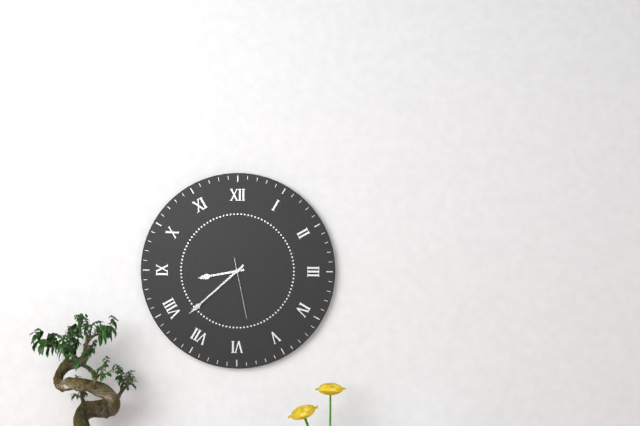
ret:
8.38.28
